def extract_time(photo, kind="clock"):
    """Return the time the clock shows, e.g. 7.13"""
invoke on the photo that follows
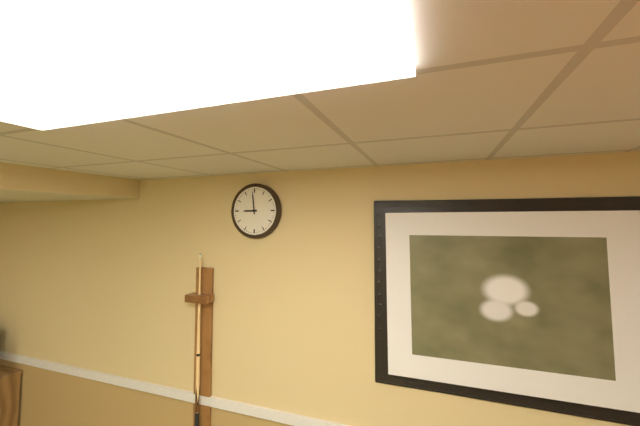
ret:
8.59
